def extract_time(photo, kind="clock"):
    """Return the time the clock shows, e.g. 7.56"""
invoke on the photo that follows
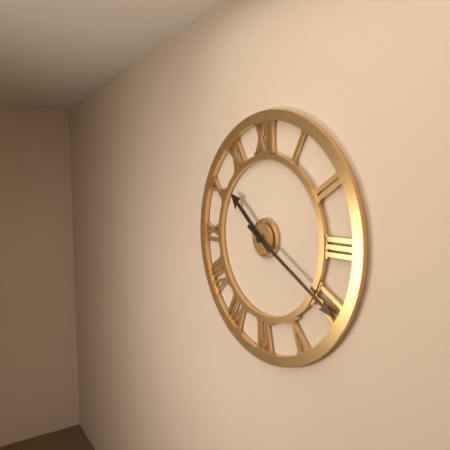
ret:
10.20
